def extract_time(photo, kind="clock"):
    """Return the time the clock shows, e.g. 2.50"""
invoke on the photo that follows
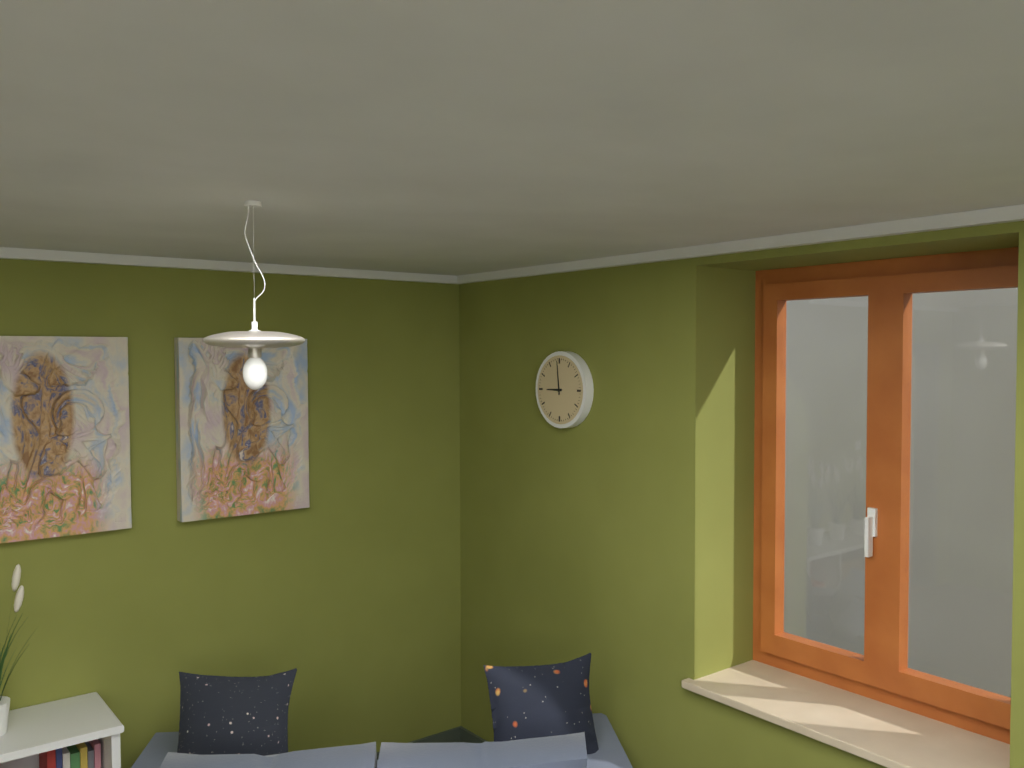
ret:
8.59
